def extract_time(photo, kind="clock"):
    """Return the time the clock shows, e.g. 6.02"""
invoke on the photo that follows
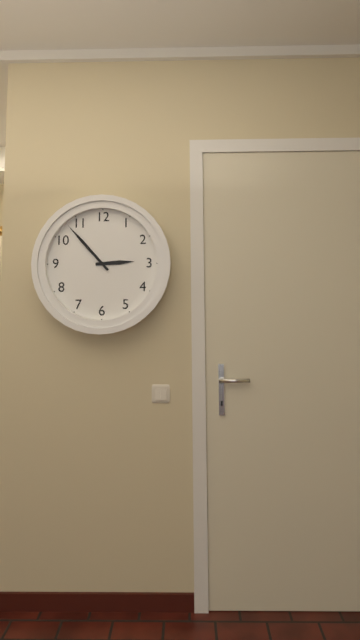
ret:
2.53
